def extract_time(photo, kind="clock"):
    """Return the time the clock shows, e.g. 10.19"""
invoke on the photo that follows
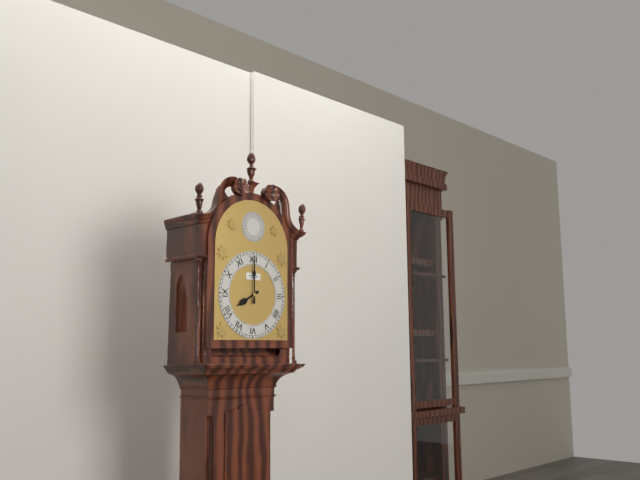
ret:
8.00
